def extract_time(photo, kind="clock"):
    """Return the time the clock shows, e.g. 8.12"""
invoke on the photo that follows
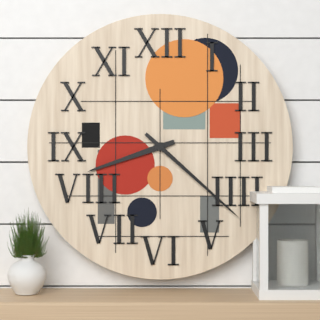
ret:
8.22
